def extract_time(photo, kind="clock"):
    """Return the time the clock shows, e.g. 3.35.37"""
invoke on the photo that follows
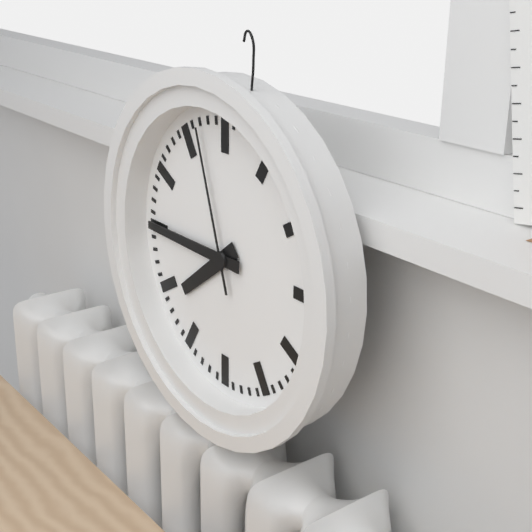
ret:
7.45.57
